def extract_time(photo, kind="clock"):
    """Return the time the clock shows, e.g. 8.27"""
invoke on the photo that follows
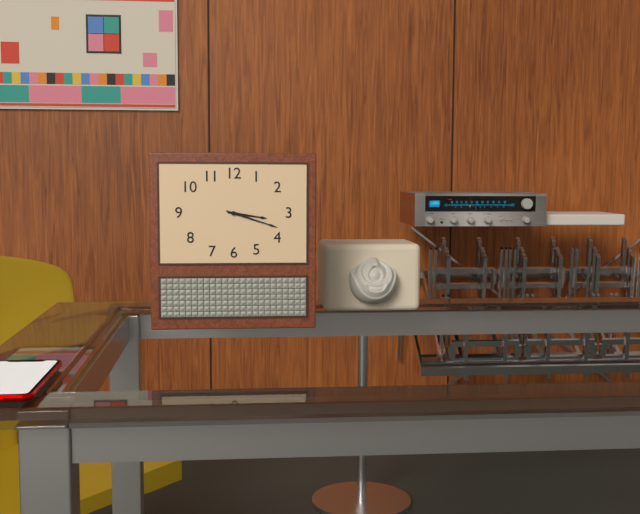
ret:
3.18
